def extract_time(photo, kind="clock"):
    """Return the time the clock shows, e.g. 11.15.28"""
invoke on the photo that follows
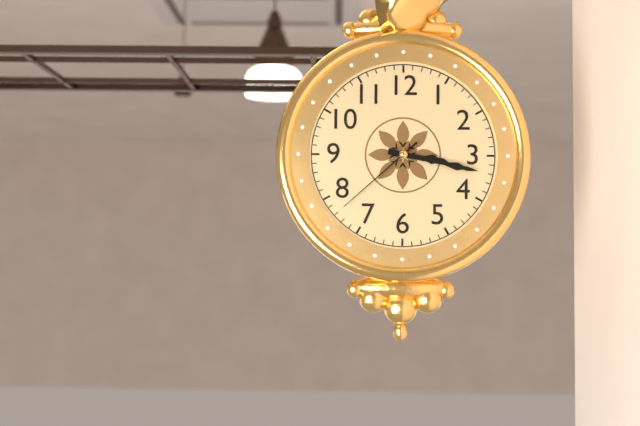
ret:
3.17.38
